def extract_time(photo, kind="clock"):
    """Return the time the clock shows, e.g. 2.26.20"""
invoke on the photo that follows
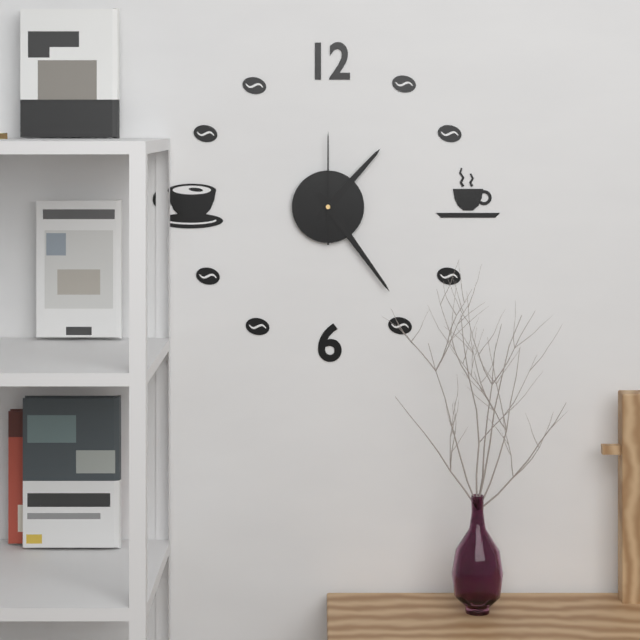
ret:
1.24.00
